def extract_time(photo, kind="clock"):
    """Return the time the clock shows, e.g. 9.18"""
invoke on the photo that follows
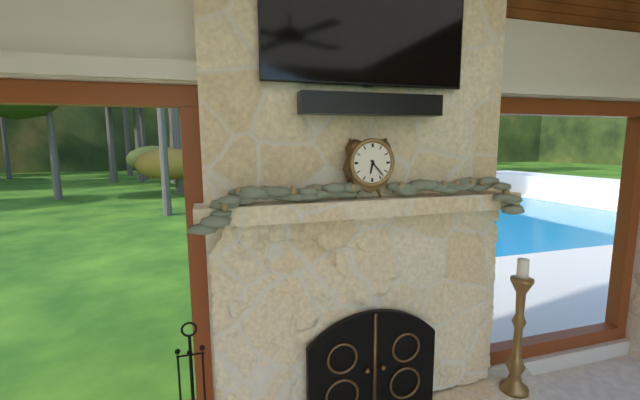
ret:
6.23
